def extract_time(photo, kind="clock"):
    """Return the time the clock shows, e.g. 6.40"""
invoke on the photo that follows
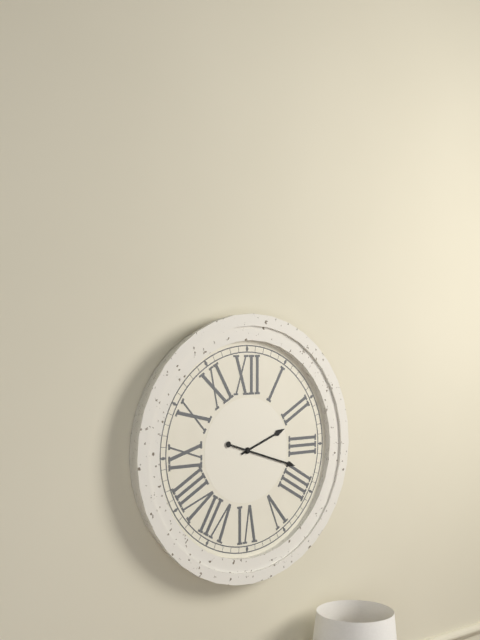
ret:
2.18
